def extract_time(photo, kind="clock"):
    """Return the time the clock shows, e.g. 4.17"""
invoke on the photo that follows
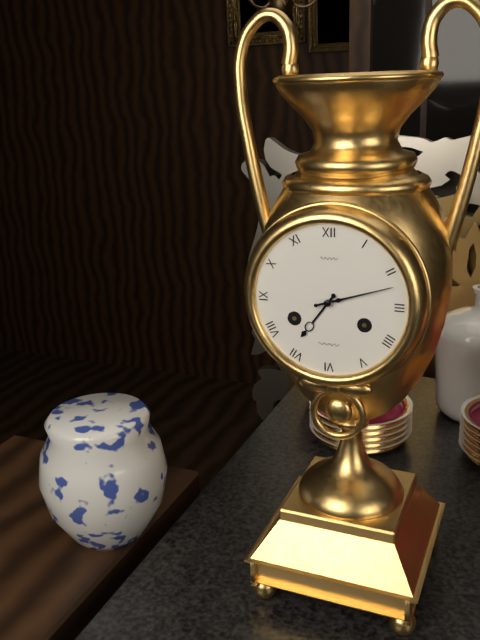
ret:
7.12
